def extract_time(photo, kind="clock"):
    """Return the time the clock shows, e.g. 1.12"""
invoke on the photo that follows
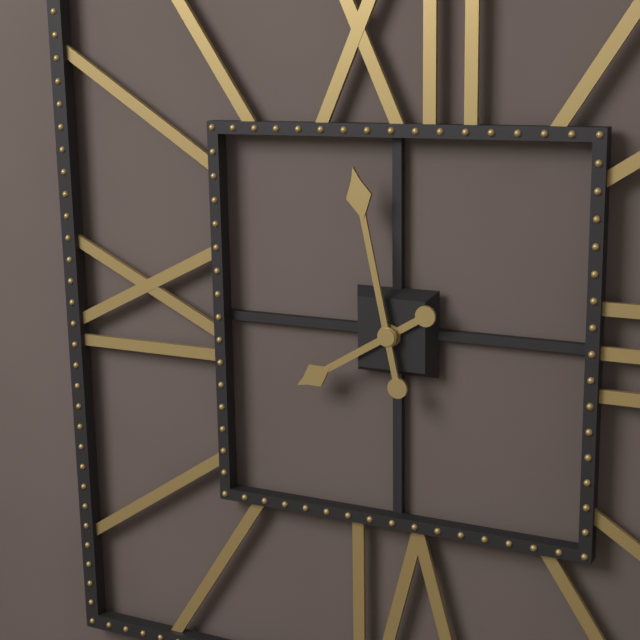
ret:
7.58
